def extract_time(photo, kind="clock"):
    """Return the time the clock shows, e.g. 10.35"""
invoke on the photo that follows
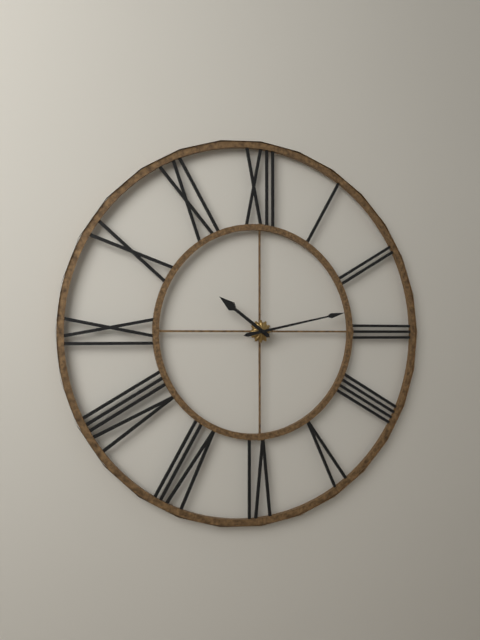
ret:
10.13
